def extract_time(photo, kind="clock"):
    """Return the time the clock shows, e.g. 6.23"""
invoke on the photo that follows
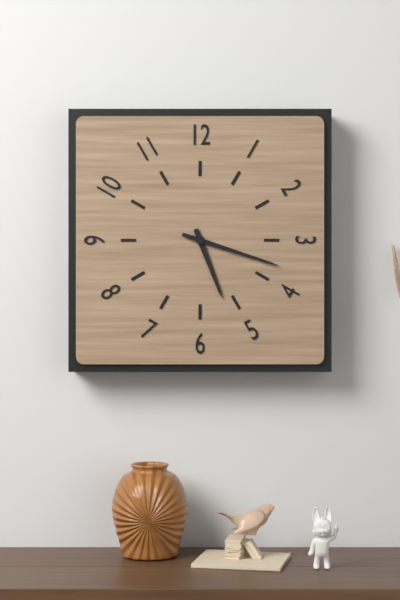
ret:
5.18
